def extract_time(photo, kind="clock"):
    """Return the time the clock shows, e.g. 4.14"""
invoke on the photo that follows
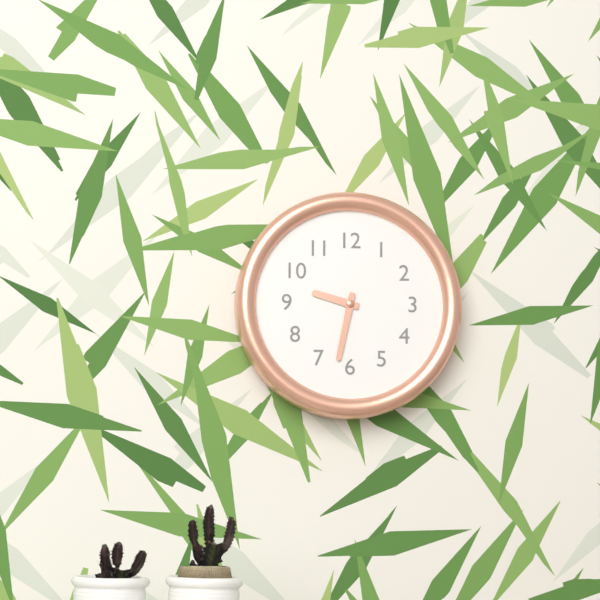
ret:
9.32
